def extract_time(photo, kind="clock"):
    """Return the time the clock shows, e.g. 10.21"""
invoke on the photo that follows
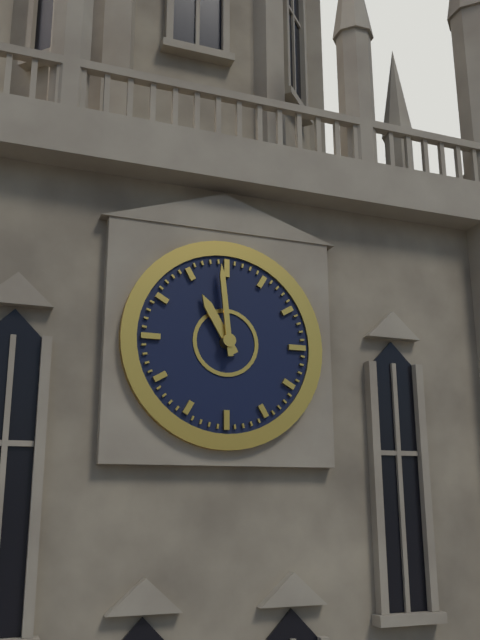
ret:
10.59
